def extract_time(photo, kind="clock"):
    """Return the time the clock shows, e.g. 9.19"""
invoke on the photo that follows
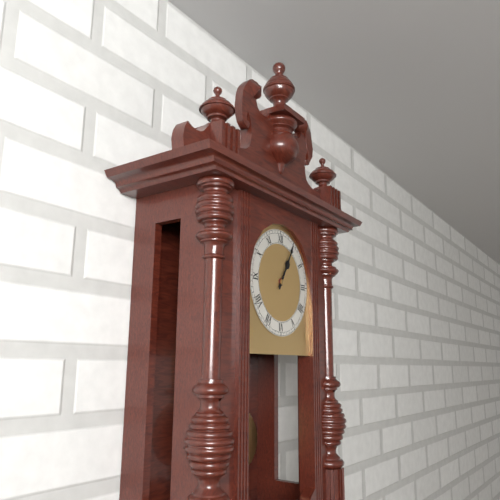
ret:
1.05
